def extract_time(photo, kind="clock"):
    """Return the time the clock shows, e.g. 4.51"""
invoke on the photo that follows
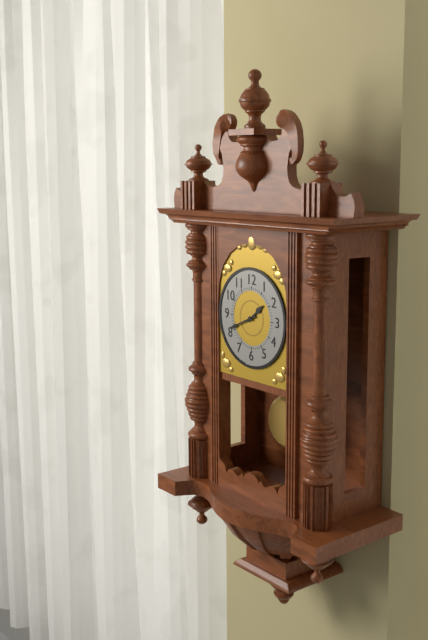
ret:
1.41
